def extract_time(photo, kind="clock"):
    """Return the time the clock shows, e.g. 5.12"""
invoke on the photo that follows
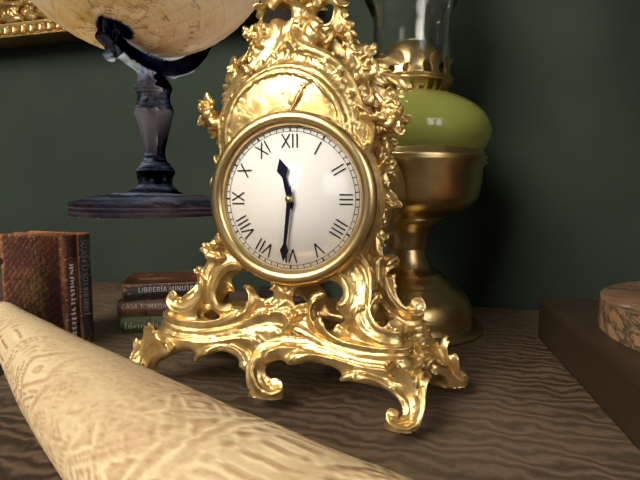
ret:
11.31
